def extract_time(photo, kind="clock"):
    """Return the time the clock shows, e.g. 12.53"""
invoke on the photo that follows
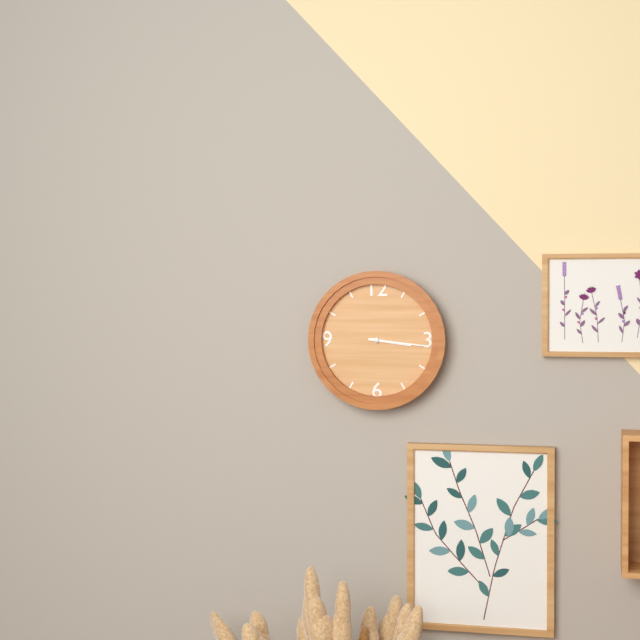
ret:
3.16
